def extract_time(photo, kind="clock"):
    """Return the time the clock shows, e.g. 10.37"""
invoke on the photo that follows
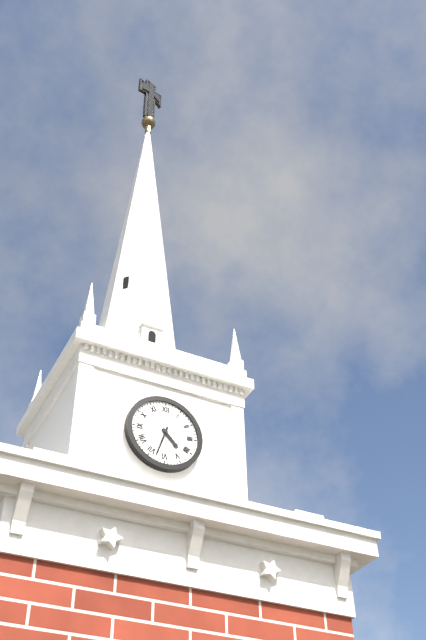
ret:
4.33
